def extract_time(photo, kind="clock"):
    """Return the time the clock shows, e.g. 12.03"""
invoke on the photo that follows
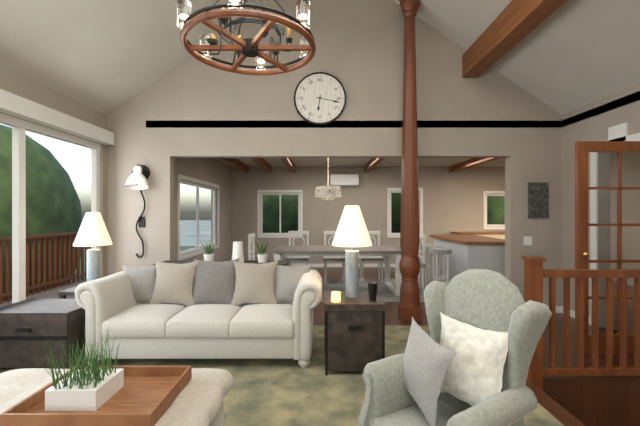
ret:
6.17
